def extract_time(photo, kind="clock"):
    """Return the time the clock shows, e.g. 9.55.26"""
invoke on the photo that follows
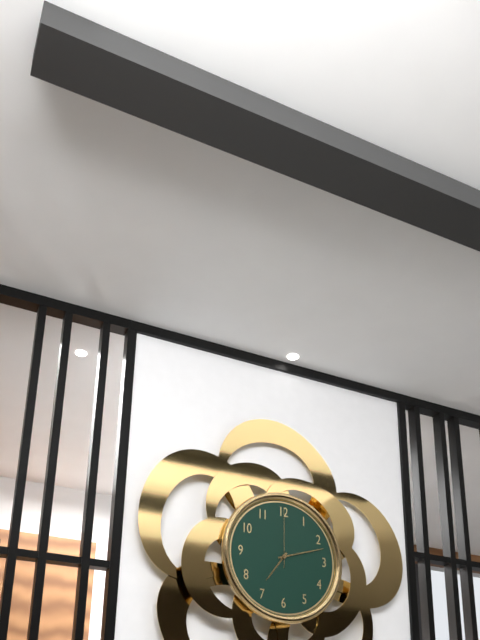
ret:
7.12.00
